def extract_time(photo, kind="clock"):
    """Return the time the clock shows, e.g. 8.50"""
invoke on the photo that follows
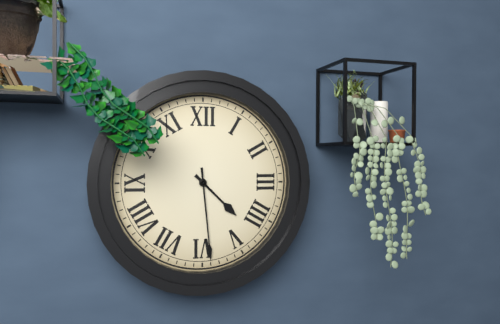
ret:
4.29
